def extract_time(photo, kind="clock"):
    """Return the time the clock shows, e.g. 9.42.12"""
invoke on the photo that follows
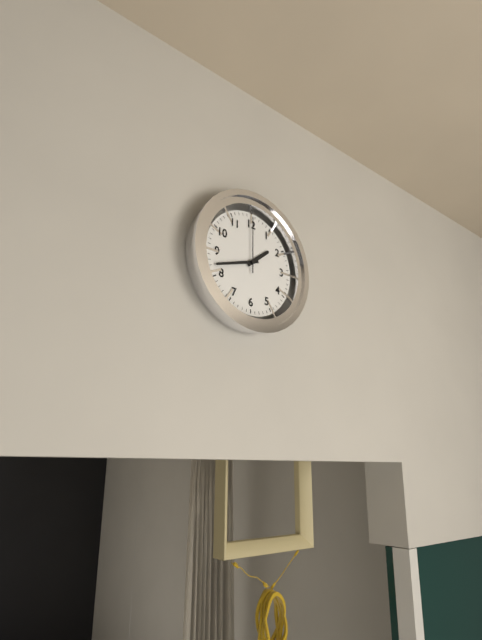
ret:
1.42.00
